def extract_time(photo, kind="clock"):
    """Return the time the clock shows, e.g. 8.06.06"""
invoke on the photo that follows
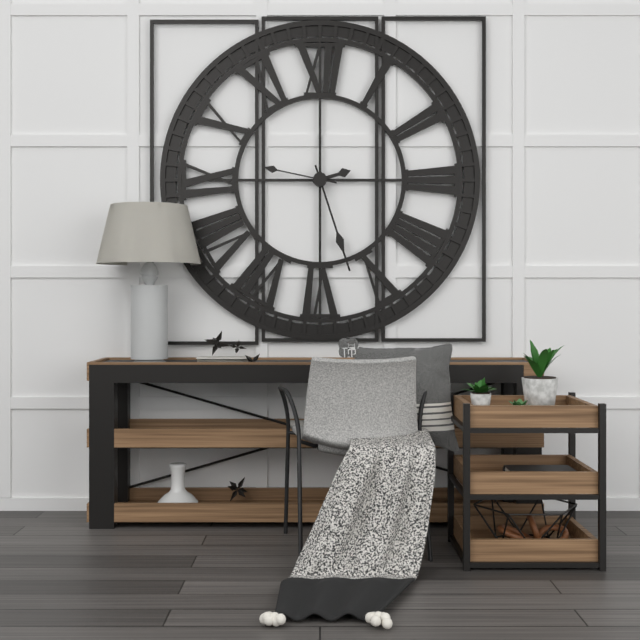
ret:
2.27.47
